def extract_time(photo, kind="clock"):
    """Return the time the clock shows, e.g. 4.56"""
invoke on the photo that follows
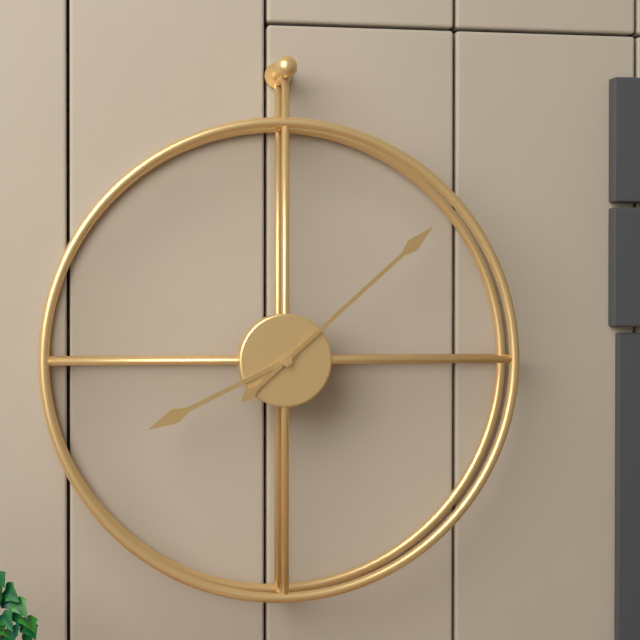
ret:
8.08
